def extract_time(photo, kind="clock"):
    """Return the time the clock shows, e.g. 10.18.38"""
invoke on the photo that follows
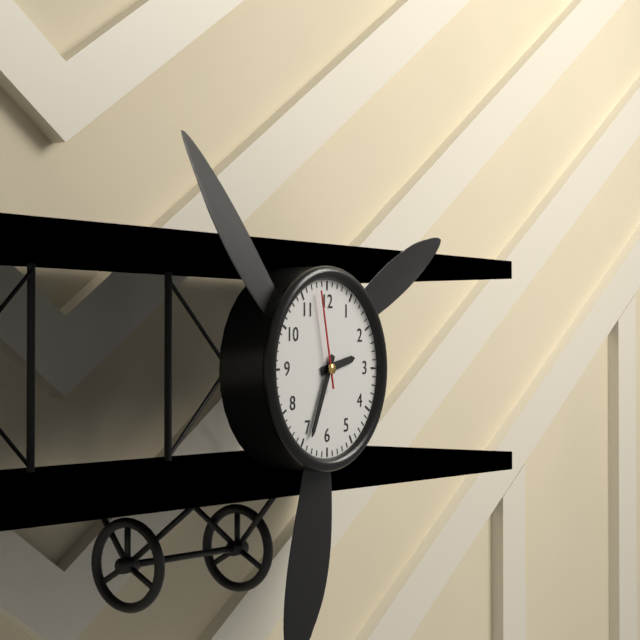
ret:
2.34.58
